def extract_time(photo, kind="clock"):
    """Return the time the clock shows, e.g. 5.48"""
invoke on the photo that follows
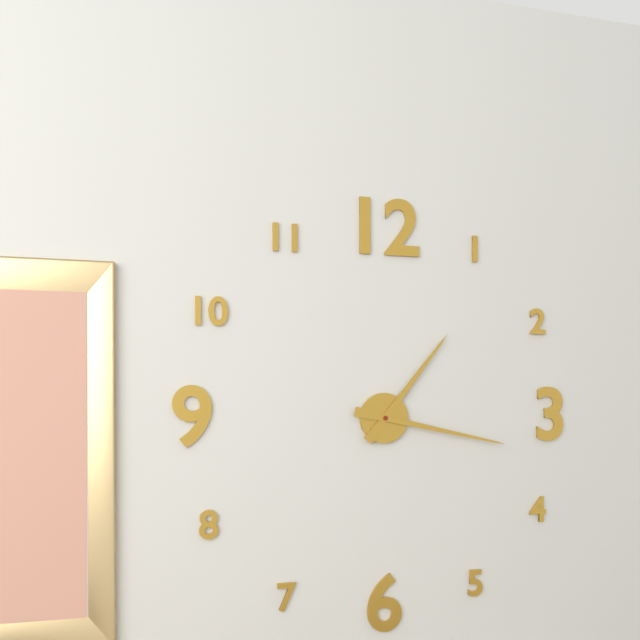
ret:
1.17
